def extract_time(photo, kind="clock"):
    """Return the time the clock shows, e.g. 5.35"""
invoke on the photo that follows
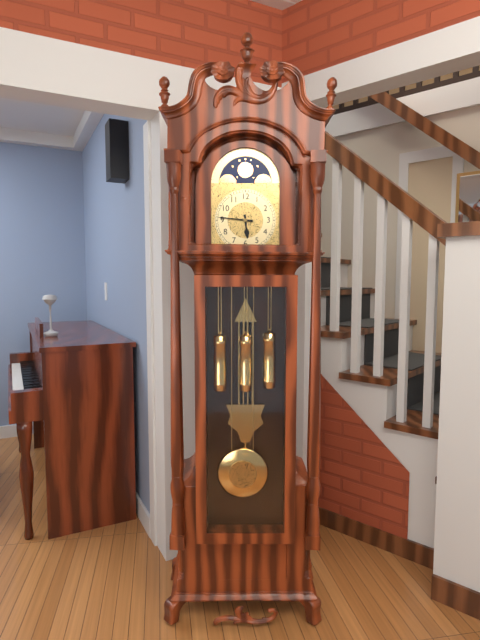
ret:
5.46
